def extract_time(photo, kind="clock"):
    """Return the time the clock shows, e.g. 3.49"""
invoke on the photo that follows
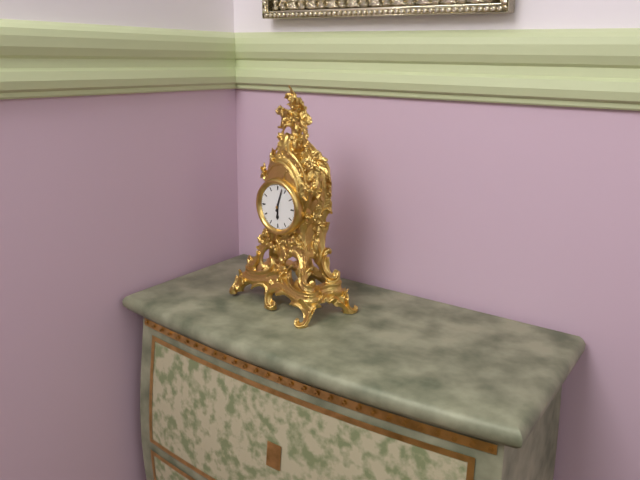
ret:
6.03
